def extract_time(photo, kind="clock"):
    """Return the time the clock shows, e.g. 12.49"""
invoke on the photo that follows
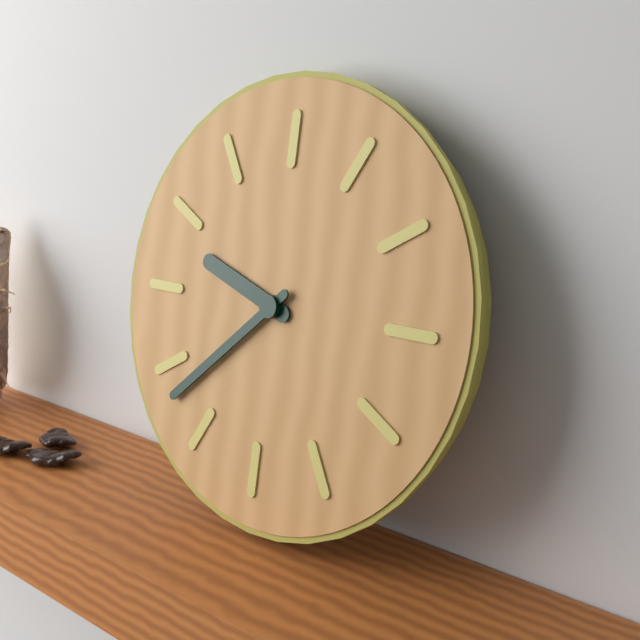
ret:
9.38
